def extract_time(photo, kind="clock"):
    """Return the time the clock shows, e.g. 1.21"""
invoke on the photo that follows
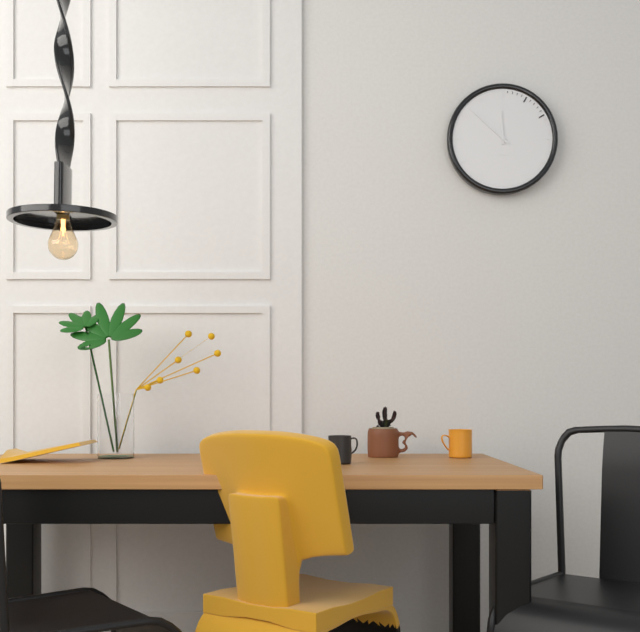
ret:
11.52
